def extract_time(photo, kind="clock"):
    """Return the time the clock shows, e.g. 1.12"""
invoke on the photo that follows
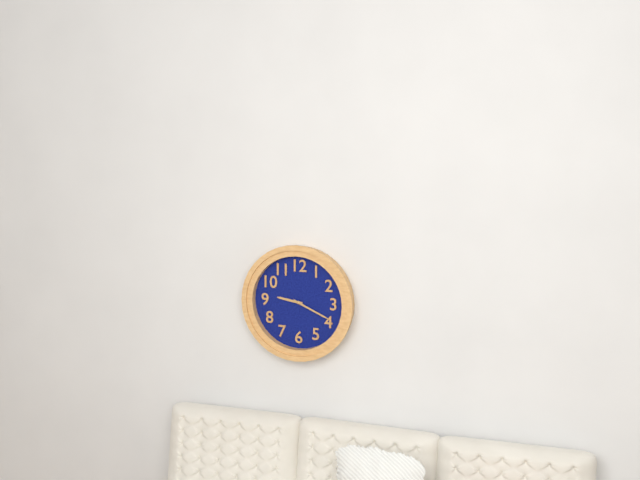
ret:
9.19
